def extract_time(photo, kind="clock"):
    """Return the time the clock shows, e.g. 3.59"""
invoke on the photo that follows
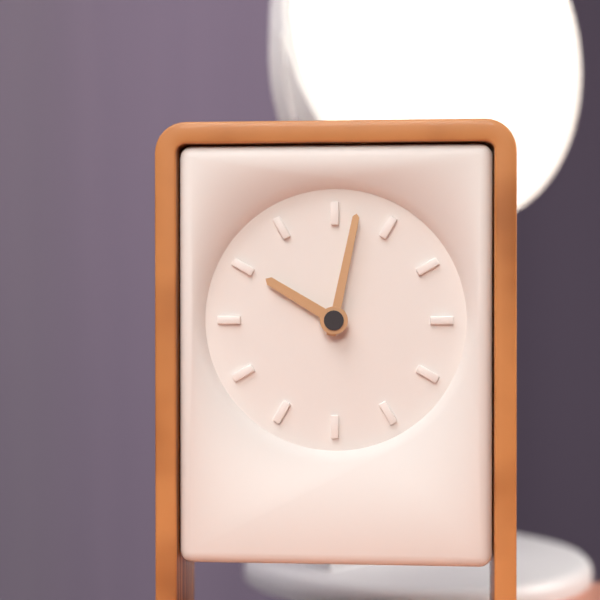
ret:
10.02
